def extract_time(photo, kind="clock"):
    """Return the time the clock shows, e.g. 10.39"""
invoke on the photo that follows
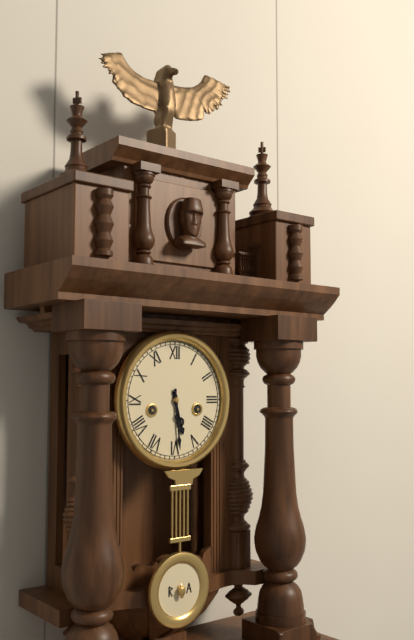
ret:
5.29
